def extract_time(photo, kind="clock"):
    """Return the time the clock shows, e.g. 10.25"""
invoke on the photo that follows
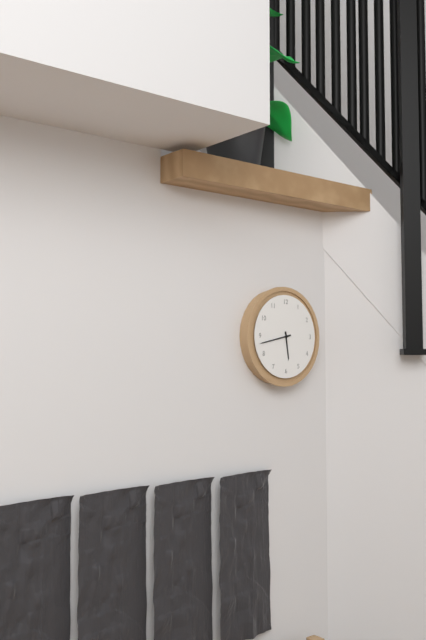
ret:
5.43
